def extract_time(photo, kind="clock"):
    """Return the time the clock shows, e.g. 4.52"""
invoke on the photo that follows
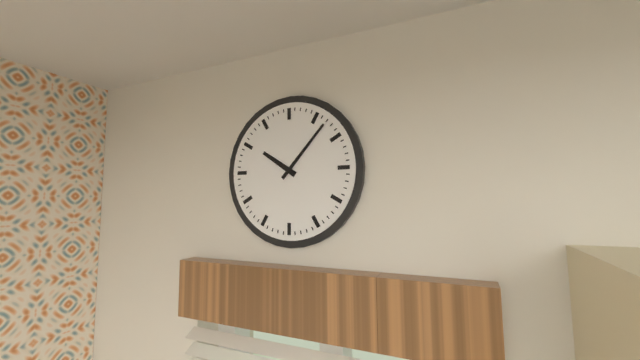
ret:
10.07
